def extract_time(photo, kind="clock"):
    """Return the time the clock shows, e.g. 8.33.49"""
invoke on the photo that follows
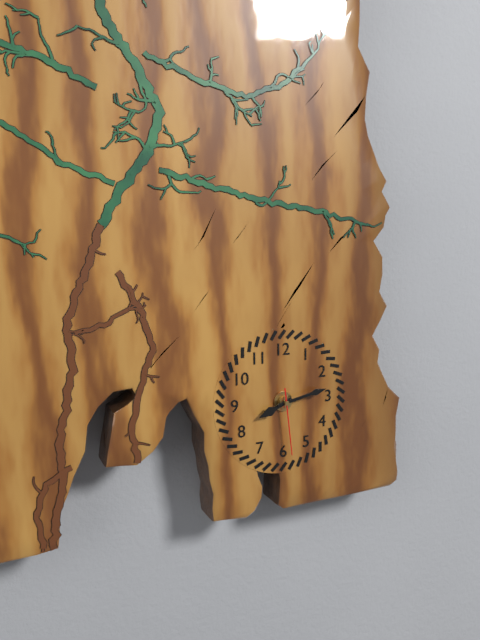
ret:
8.13.29
